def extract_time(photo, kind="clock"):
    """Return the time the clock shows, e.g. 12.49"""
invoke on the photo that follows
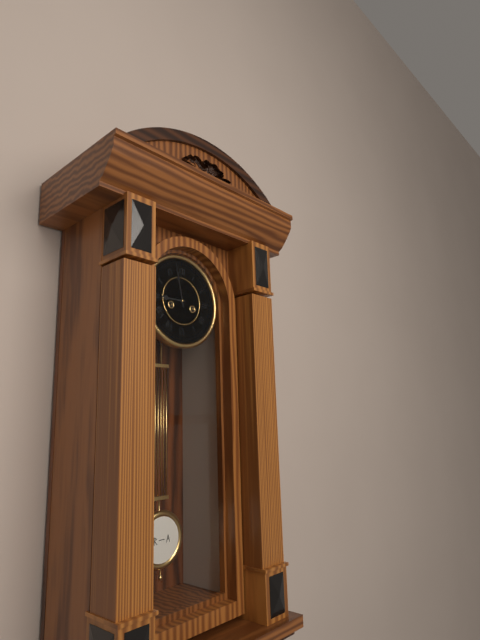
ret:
8.58
